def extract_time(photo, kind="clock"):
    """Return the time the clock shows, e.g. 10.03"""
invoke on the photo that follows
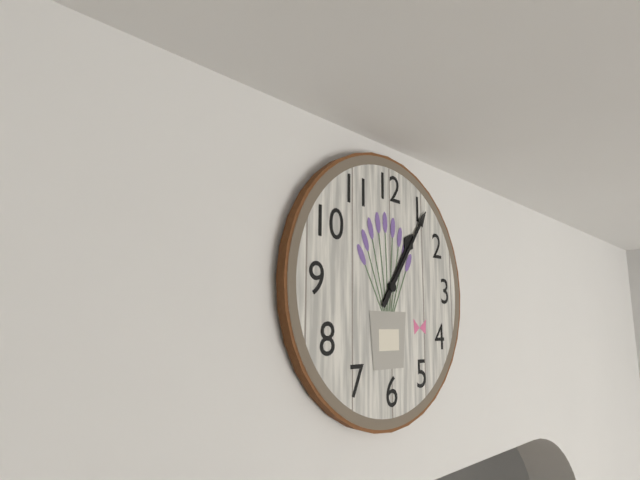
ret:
1.06
